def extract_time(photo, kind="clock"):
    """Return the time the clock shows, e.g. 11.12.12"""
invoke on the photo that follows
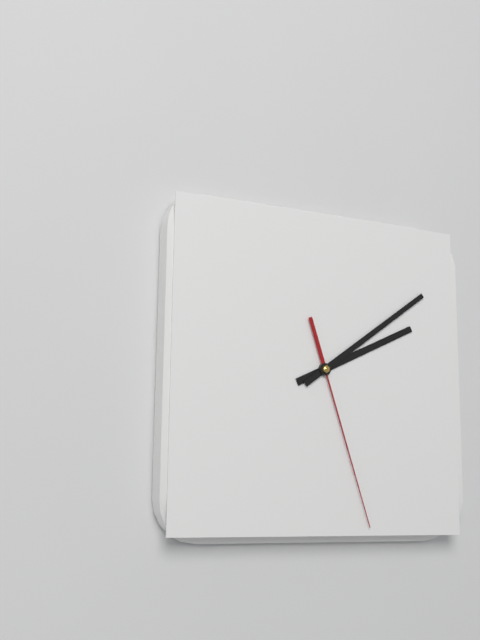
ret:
2.09.27
